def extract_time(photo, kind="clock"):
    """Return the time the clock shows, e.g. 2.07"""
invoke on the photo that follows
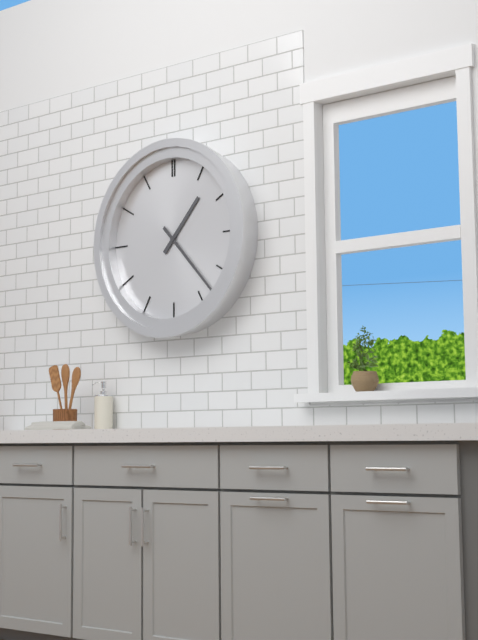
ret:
1.23
